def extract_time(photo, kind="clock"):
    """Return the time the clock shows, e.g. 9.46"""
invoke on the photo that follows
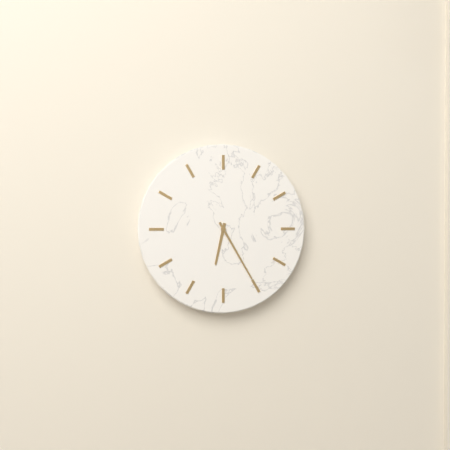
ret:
6.25
